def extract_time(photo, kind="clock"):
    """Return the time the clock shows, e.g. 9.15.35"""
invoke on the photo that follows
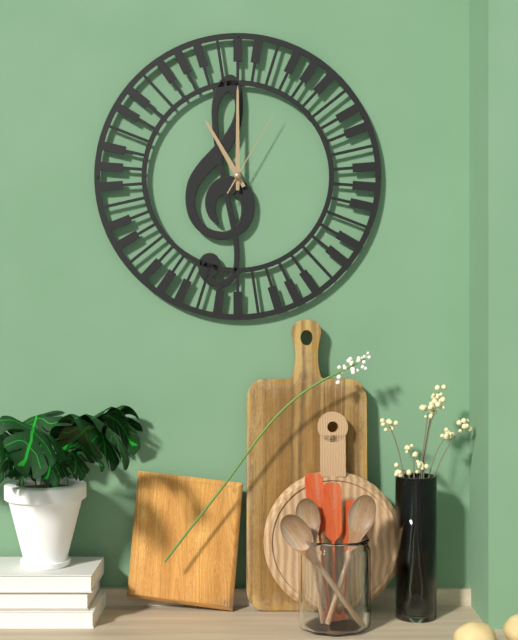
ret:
11.00.05
